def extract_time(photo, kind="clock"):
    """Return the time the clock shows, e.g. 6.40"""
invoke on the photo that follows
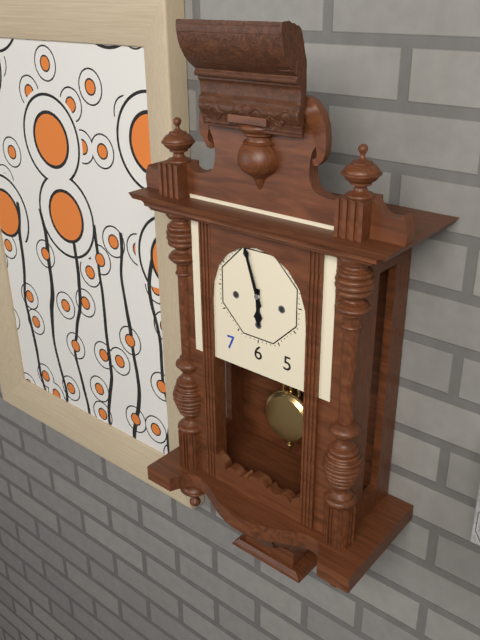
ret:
5.57
